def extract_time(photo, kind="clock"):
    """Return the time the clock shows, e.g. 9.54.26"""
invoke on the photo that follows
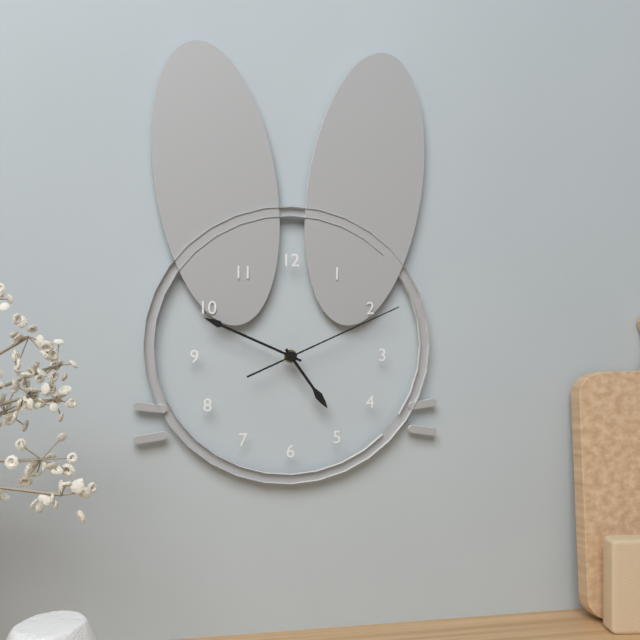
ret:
4.49.11
